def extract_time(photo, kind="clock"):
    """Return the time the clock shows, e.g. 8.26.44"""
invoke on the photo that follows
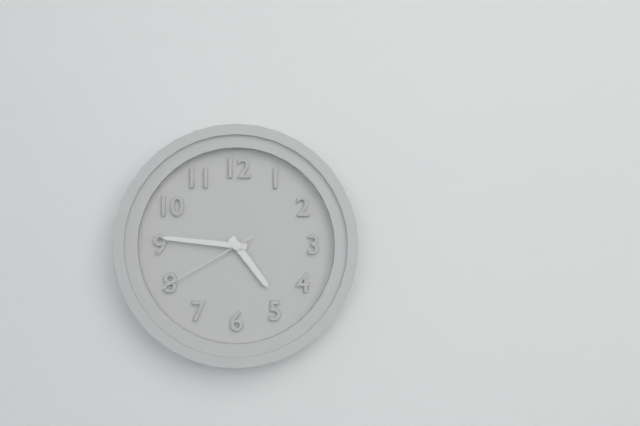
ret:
4.46.40
